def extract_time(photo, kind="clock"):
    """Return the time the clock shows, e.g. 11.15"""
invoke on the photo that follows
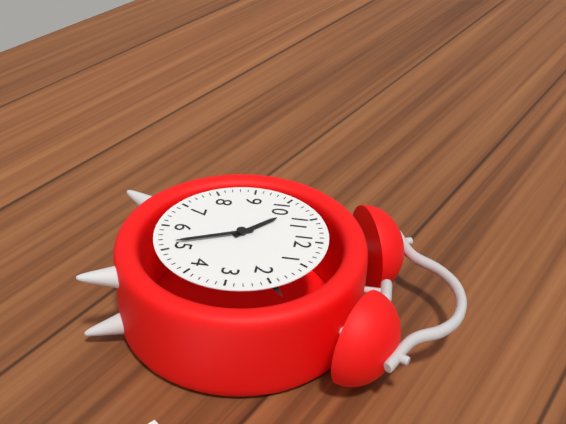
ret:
10.26
